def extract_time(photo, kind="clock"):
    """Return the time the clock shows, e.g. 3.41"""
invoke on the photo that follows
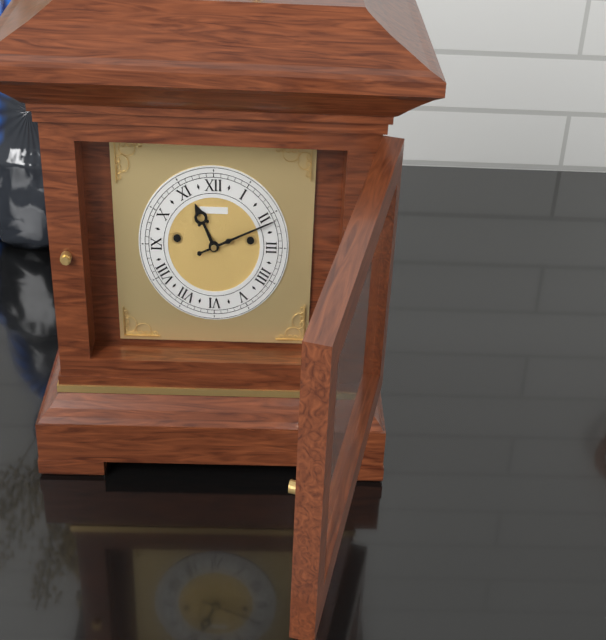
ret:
11.11
